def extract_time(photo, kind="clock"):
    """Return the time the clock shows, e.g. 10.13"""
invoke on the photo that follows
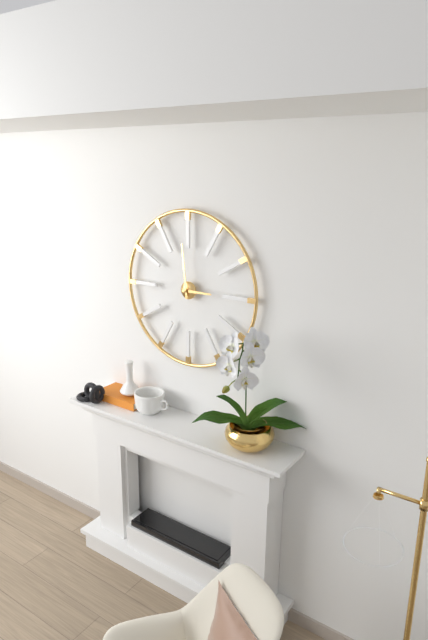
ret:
2.59
